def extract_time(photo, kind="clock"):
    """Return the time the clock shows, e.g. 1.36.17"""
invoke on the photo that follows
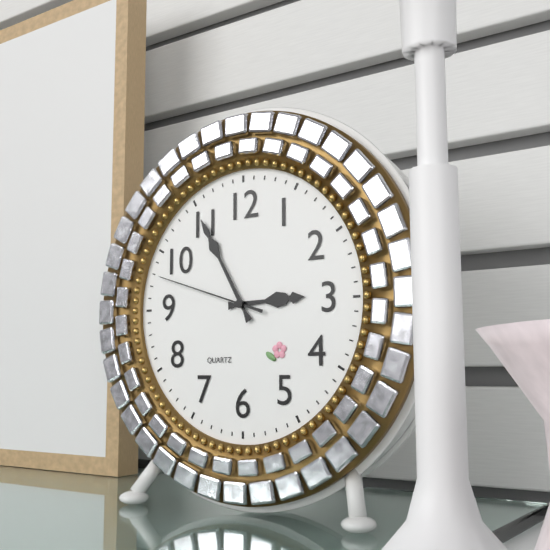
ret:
2.55.48
